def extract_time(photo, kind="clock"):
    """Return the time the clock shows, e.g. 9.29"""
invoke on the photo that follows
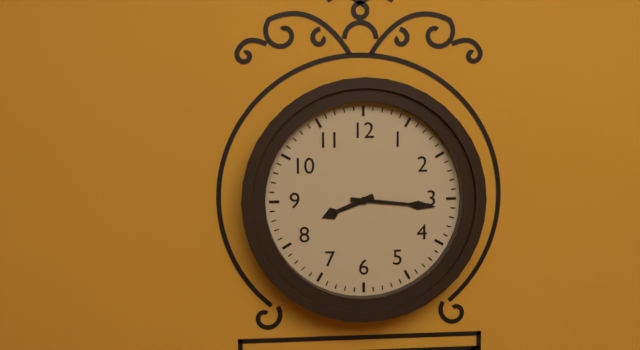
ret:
8.16
